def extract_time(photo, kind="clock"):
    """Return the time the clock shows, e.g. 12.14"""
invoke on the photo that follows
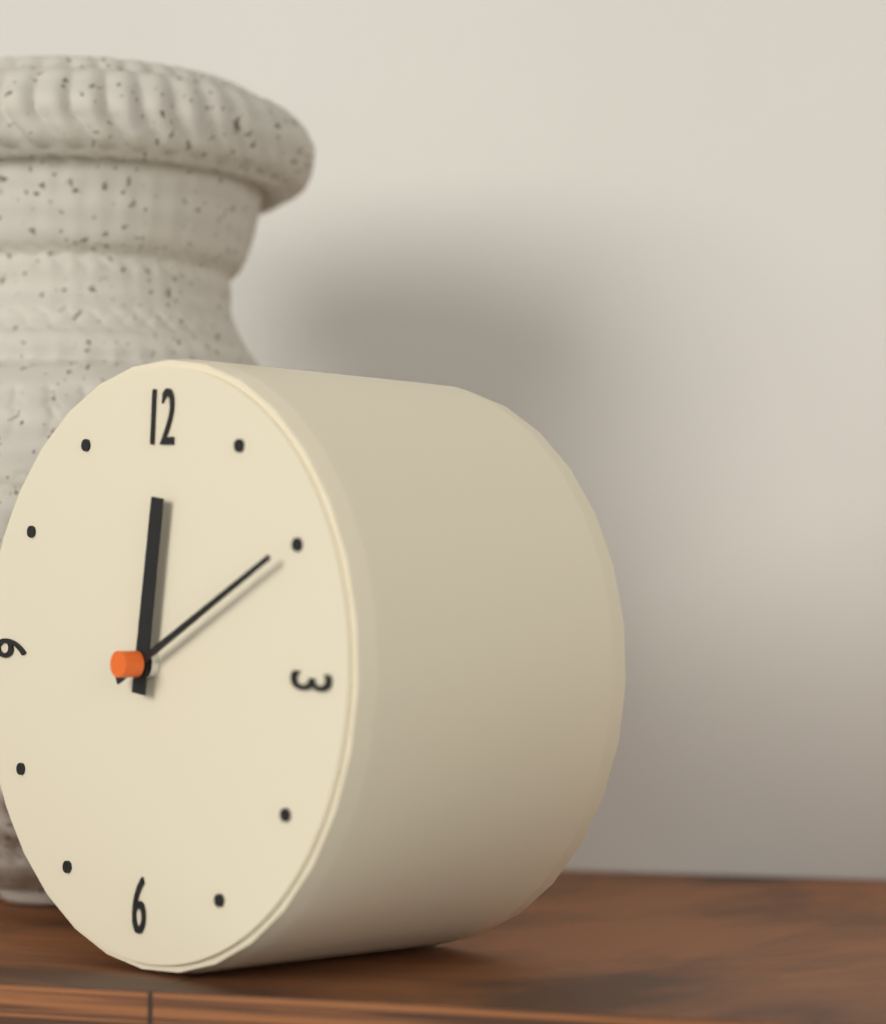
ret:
12.10
